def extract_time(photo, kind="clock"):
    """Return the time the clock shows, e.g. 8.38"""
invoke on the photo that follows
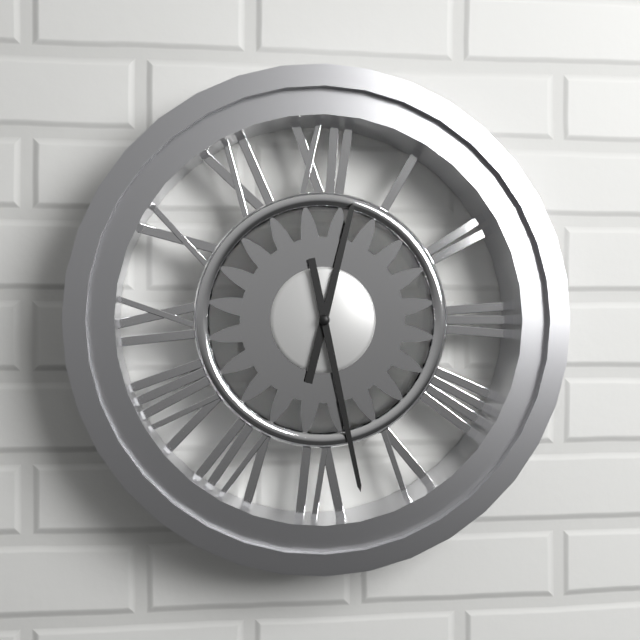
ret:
12.28
